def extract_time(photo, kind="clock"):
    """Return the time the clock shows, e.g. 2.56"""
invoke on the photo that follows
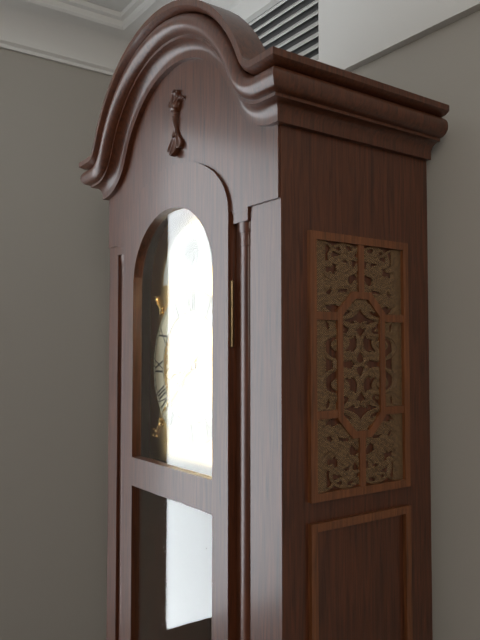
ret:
8.38
